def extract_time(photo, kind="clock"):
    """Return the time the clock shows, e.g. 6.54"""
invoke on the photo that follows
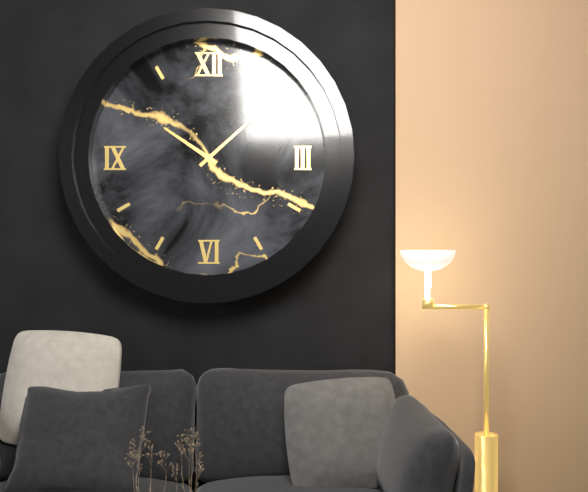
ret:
10.08
